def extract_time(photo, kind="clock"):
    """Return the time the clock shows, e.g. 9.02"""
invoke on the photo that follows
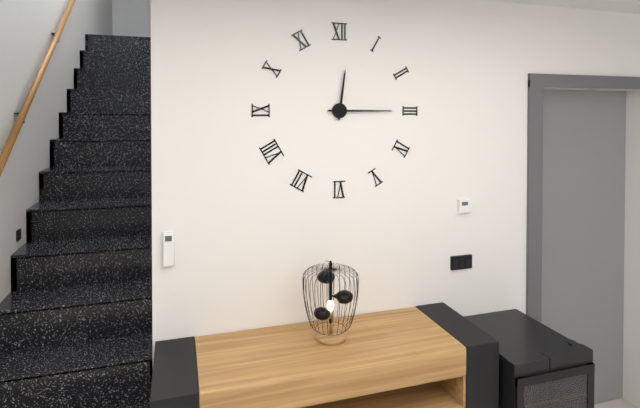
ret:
12.15
